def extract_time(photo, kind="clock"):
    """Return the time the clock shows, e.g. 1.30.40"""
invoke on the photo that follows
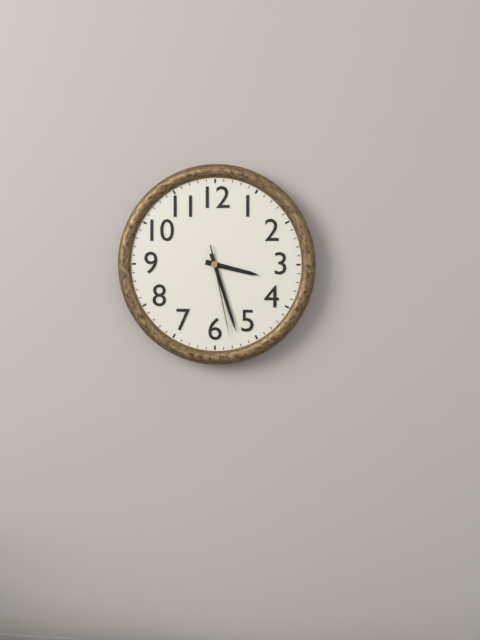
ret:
3.27.28
